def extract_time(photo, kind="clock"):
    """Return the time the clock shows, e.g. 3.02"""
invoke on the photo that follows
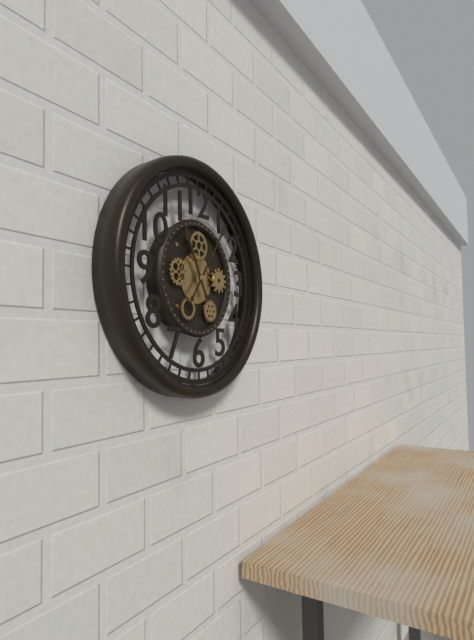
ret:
11.06
